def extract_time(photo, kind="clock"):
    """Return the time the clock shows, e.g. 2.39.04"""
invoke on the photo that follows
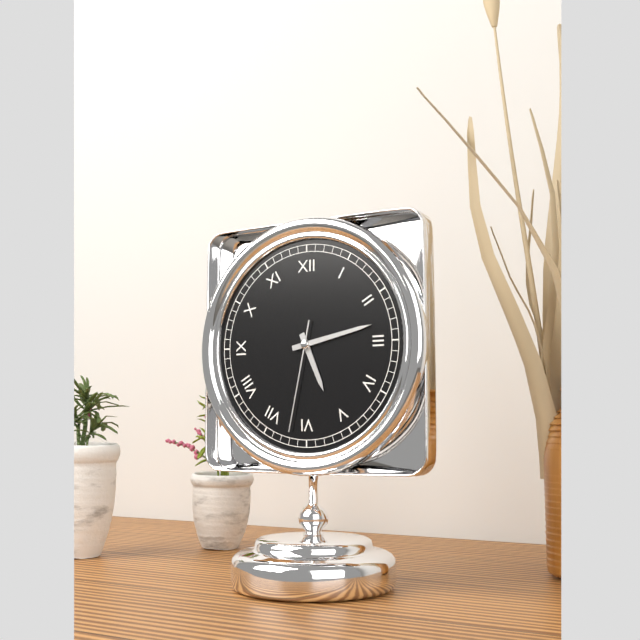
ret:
5.13.32
